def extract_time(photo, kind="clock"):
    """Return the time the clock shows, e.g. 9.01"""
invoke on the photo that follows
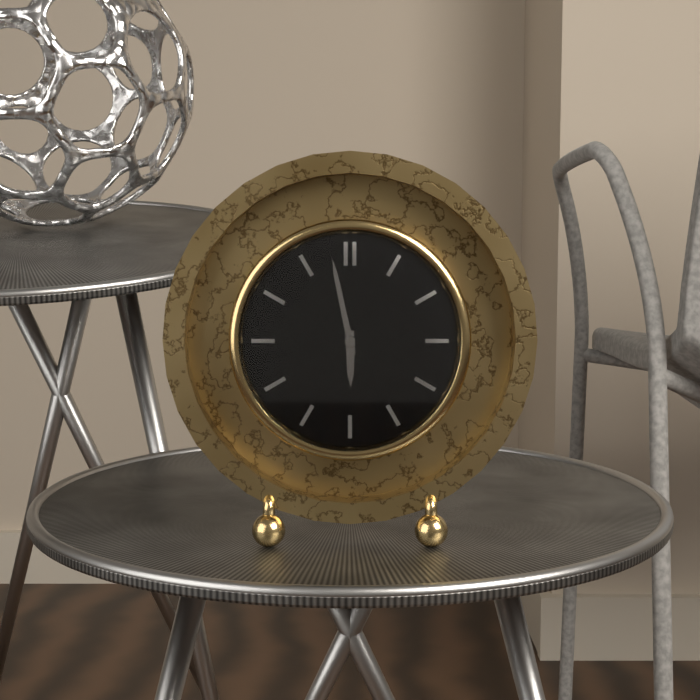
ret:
5.58
